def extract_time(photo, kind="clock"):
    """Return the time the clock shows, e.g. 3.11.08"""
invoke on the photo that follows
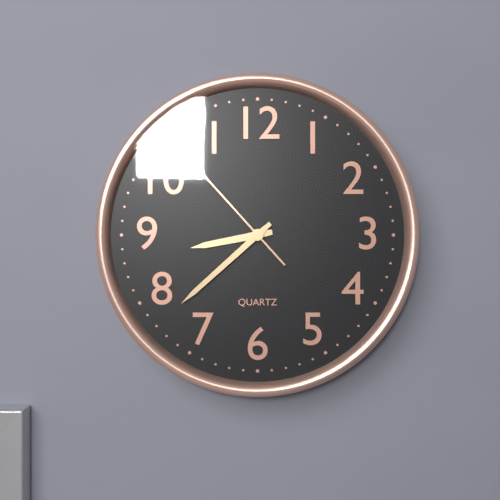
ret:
8.38.53
